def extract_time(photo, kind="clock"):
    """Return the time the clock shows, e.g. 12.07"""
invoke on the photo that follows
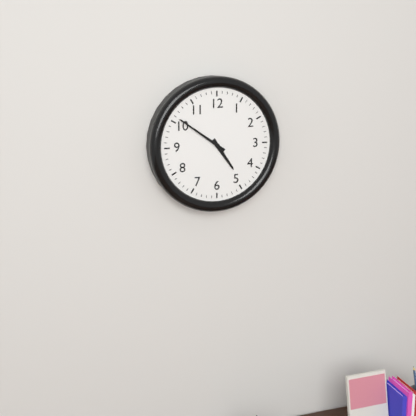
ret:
4.51
